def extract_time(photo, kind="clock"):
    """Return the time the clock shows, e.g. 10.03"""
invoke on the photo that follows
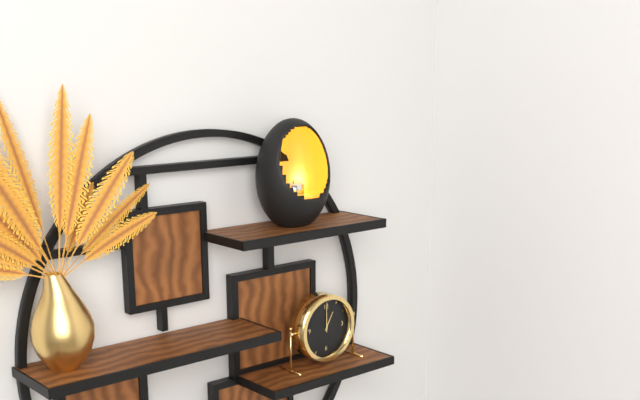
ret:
1.00
